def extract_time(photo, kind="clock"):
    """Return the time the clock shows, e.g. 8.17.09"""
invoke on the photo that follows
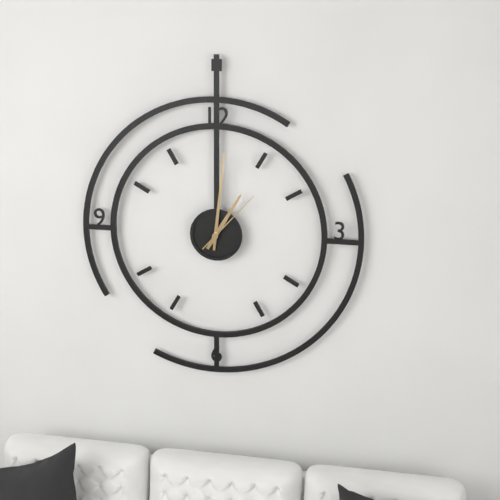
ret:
1.01.07
